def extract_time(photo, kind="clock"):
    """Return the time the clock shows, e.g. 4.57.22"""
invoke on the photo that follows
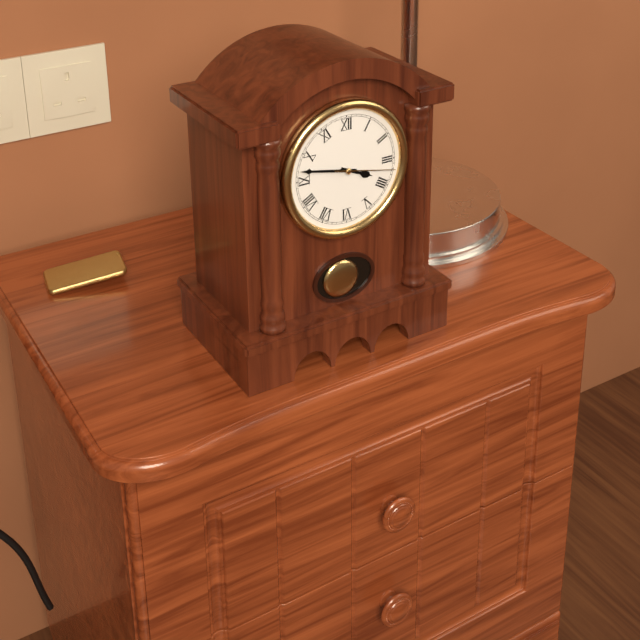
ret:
3.47.17
